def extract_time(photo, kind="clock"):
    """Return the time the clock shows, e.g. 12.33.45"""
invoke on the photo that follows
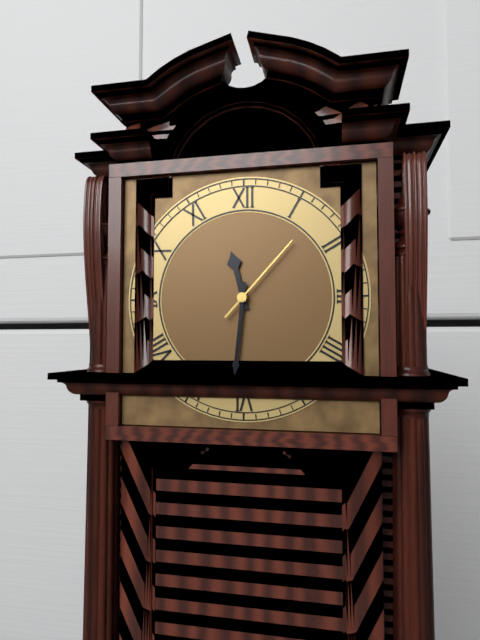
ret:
11.31.07
